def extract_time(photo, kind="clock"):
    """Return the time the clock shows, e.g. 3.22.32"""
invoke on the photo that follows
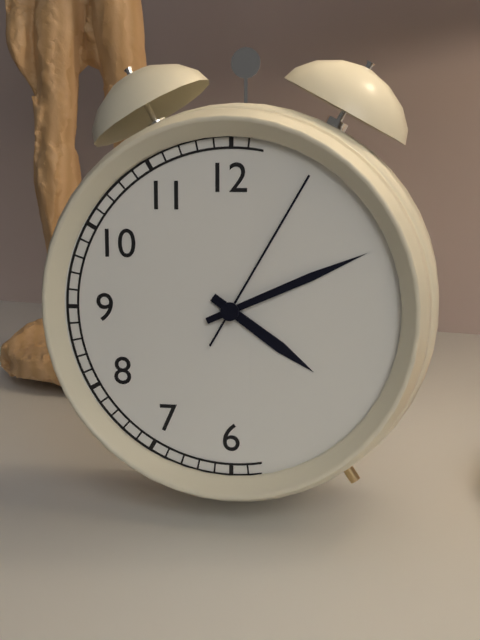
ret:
4.11.05
